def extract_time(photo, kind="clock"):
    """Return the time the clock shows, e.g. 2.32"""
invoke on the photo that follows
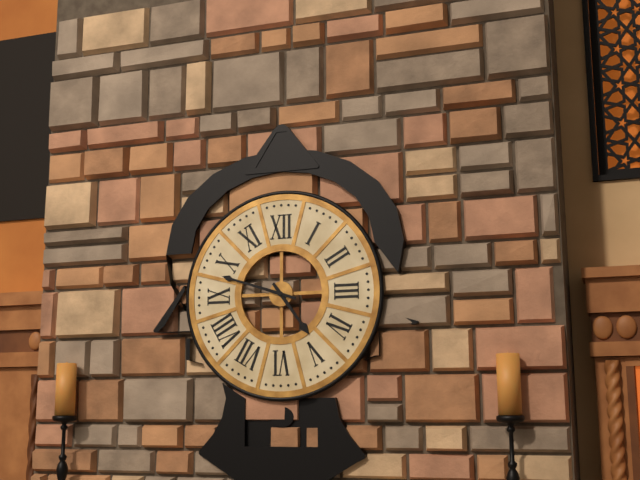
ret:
4.48
